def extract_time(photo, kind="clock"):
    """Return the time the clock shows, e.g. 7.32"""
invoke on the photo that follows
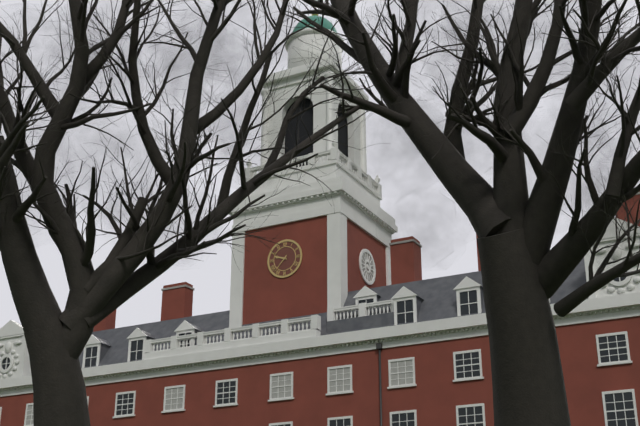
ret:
9.37
